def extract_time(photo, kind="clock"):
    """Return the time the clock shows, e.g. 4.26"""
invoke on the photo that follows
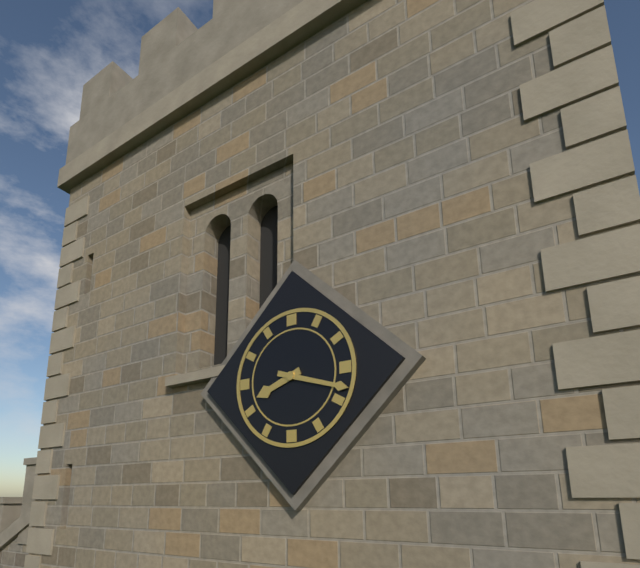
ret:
8.18
